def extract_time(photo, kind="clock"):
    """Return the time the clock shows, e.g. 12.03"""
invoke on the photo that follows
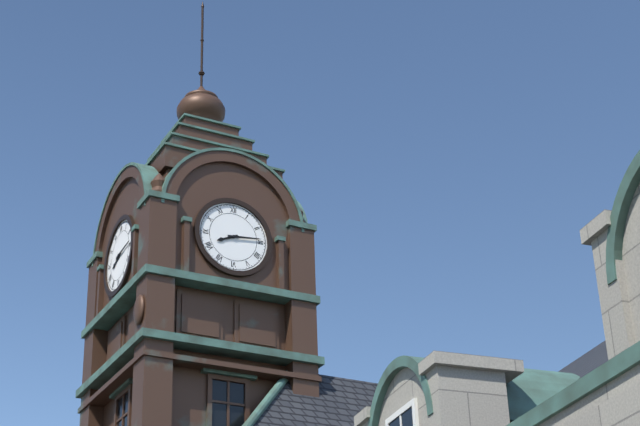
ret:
8.14
